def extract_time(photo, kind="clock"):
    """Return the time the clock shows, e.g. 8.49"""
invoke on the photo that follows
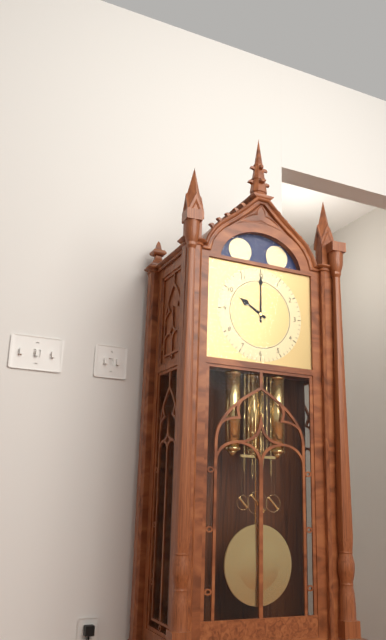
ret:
10.00
